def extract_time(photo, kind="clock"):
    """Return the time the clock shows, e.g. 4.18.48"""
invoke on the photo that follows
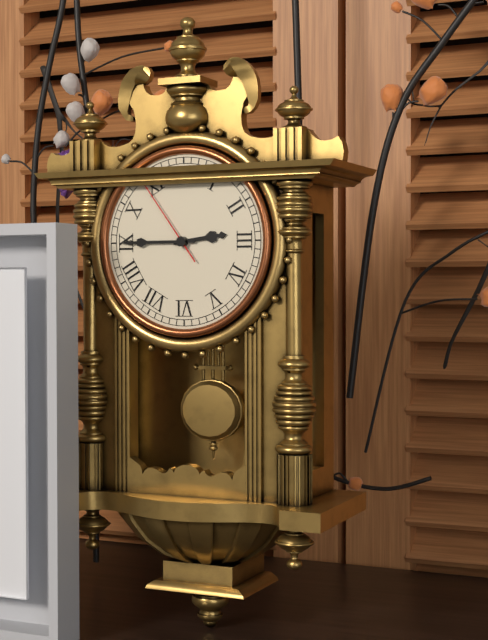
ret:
2.45.54
